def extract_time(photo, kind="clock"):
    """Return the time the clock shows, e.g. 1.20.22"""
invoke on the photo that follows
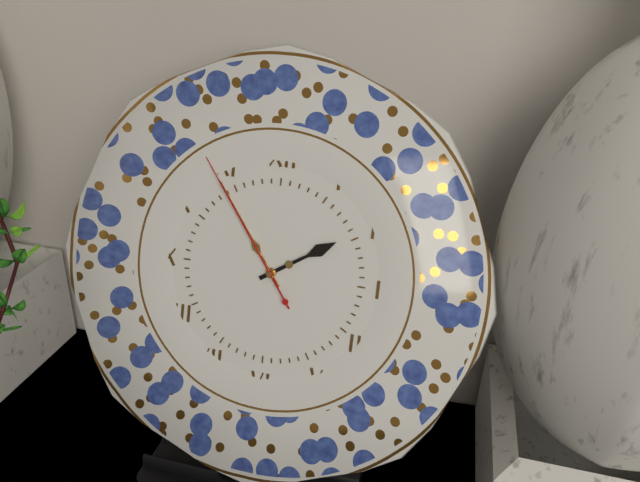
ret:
1.54.54
